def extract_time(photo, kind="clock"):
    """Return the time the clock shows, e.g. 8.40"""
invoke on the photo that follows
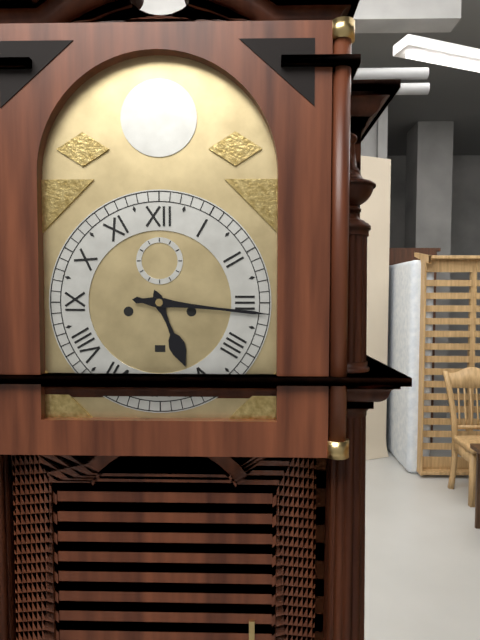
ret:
5.16
